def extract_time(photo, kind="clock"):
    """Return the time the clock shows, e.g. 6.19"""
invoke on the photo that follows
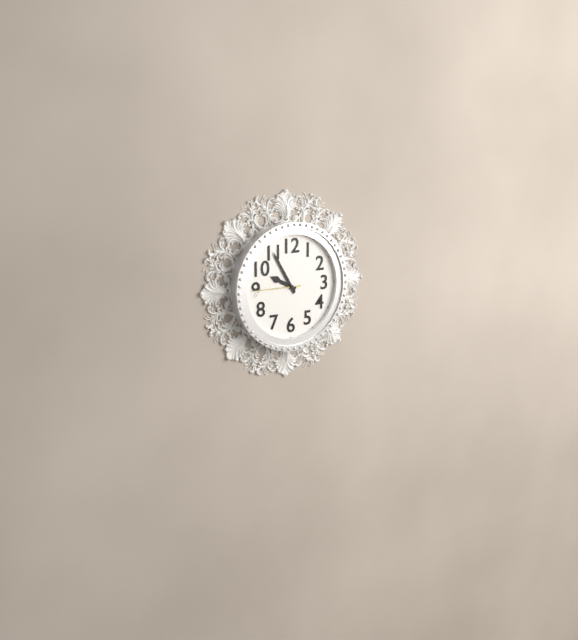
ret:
9.55
